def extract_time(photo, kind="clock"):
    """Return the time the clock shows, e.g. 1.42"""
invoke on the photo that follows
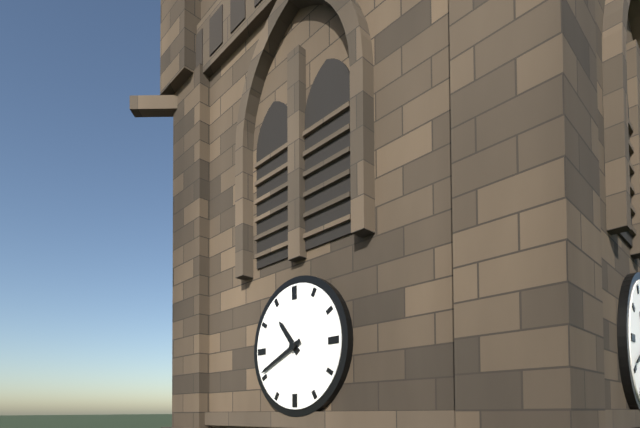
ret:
10.41
